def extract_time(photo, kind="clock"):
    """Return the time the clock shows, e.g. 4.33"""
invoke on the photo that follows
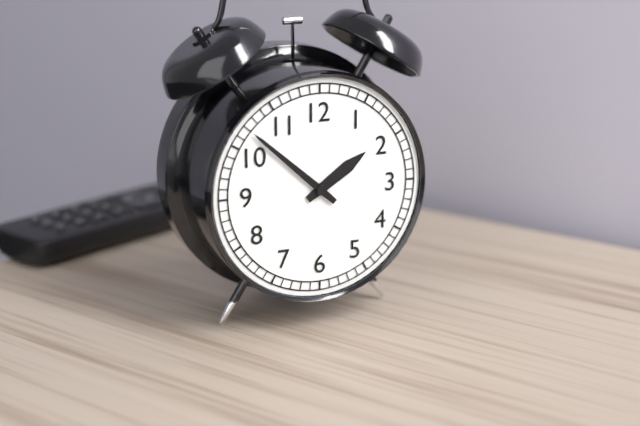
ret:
1.52
